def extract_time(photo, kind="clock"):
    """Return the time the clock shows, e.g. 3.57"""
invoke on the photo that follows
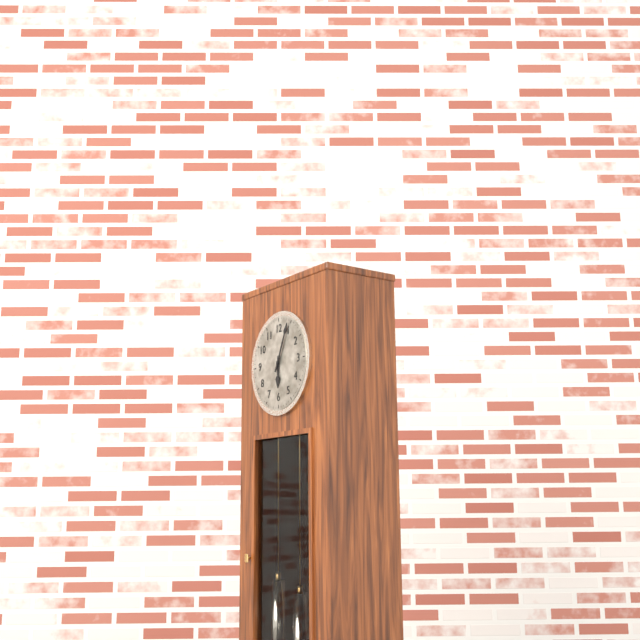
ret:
6.04
